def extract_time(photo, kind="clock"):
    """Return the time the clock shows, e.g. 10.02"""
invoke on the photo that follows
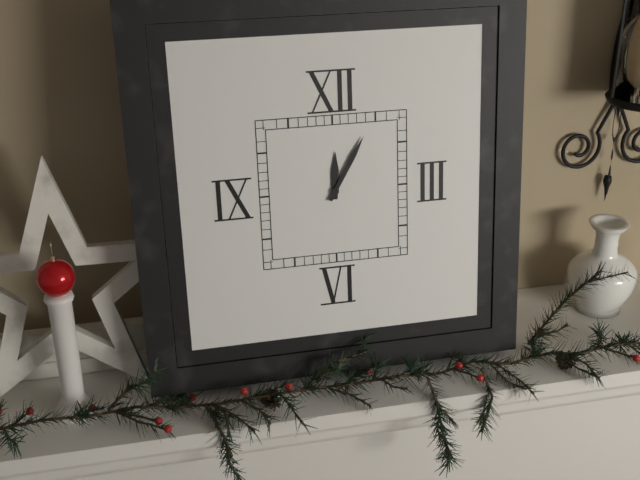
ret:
12.05
